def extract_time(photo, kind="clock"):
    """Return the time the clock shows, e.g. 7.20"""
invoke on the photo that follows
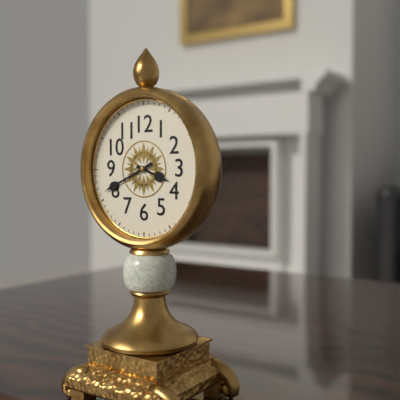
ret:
3.41
